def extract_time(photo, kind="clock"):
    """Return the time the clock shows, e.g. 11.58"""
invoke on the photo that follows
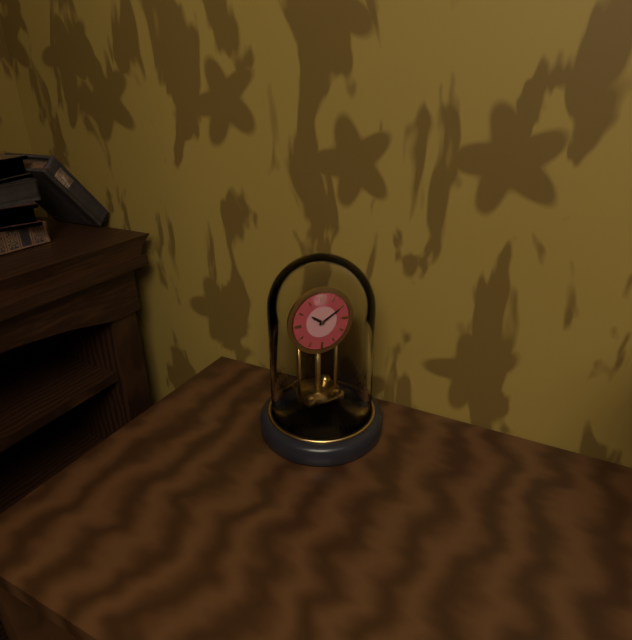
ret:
10.10
